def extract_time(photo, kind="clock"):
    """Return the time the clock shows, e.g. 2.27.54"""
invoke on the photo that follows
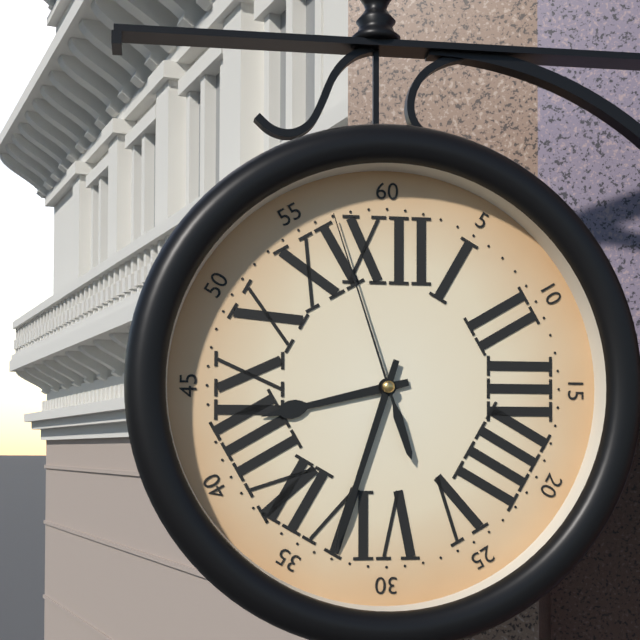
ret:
8.33.57
